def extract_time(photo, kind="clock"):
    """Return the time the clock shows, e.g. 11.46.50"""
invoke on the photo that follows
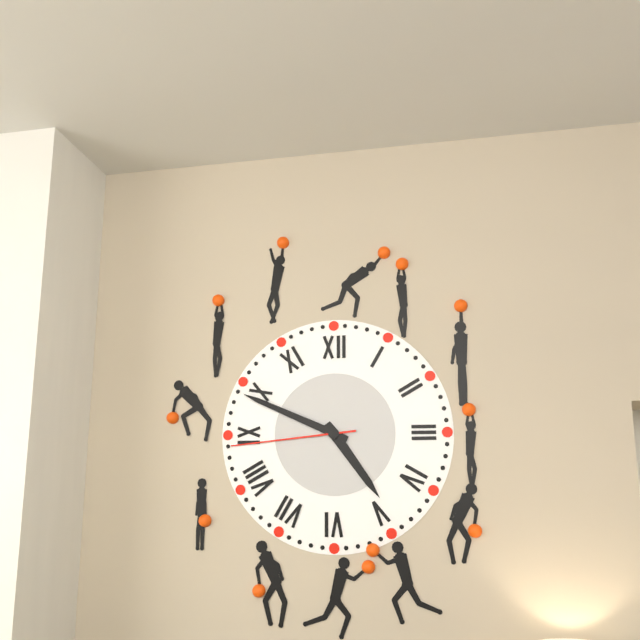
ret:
4.49.44
